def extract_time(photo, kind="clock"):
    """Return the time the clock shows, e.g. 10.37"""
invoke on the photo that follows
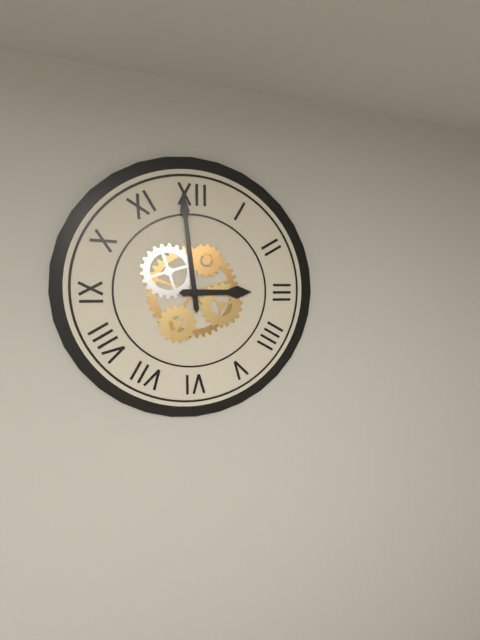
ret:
2.59
